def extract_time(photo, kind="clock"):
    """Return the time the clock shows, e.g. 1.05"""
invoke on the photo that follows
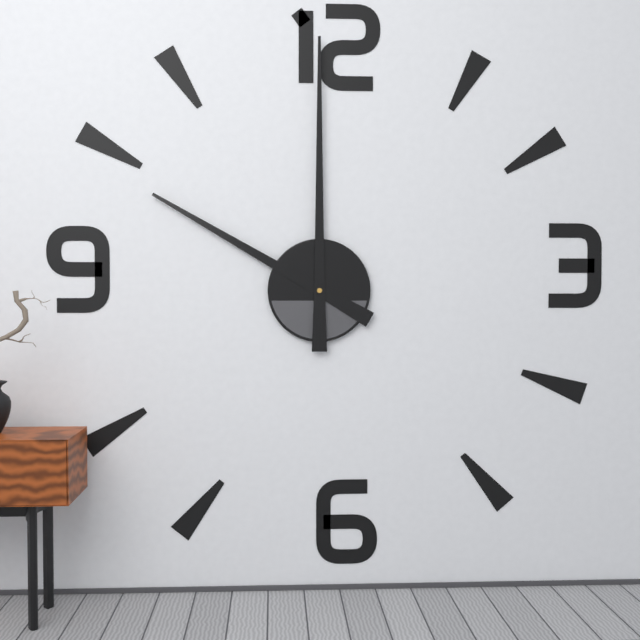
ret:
10.00
